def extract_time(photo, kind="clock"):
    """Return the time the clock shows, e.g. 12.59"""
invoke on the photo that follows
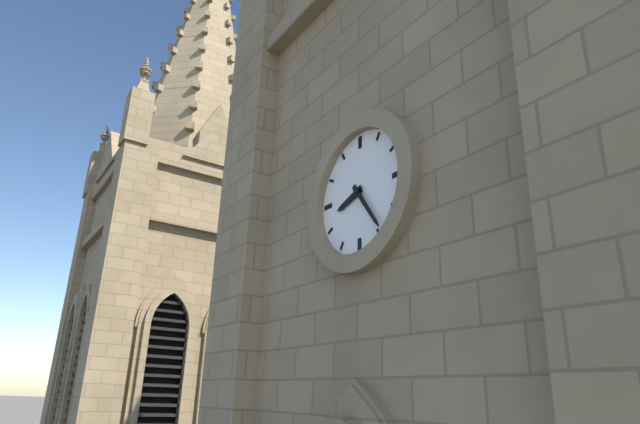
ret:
8.24
